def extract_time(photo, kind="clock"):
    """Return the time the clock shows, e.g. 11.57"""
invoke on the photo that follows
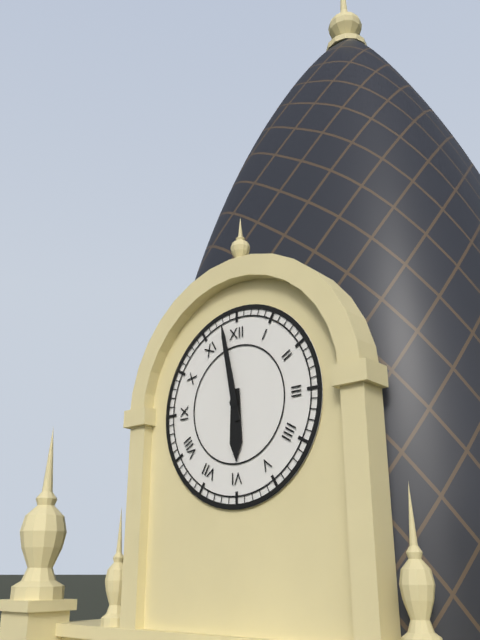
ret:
5.58
